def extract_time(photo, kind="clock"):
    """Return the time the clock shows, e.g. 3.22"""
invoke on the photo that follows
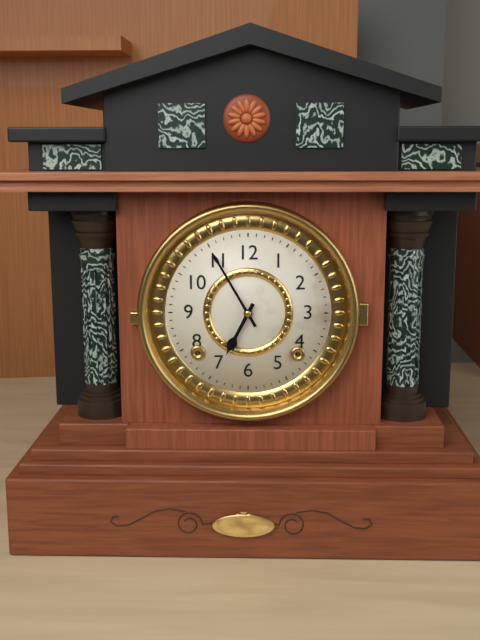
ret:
6.55
